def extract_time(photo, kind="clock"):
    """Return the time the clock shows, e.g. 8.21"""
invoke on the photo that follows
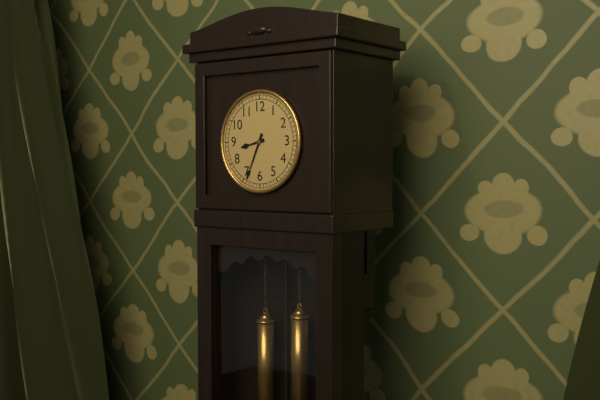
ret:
8.34
